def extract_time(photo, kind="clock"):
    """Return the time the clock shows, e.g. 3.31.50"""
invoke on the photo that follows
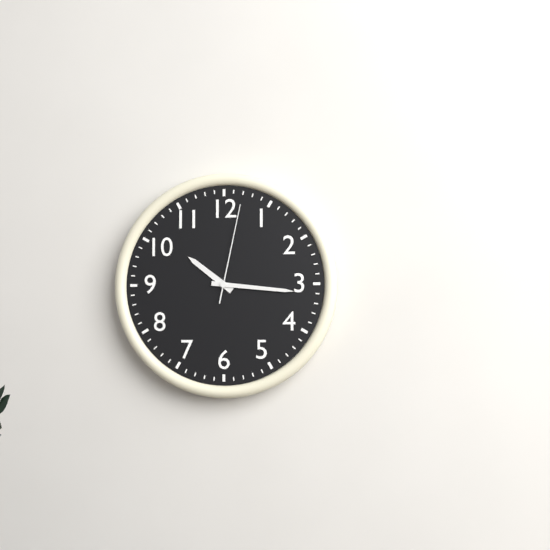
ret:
10.16.02
